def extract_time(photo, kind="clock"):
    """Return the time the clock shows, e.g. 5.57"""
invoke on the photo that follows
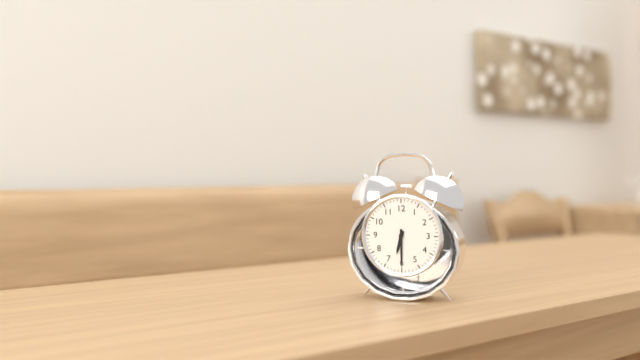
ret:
6.30
